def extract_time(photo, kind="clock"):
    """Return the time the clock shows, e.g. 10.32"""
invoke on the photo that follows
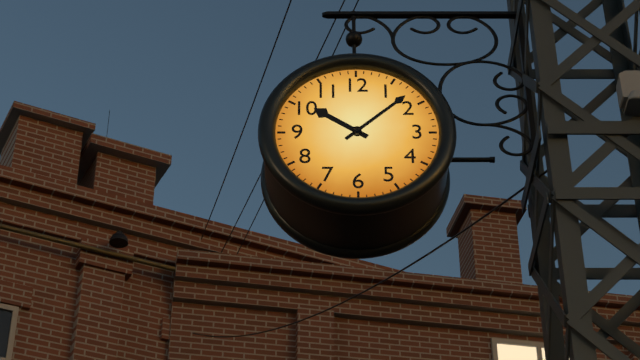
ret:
10.08
